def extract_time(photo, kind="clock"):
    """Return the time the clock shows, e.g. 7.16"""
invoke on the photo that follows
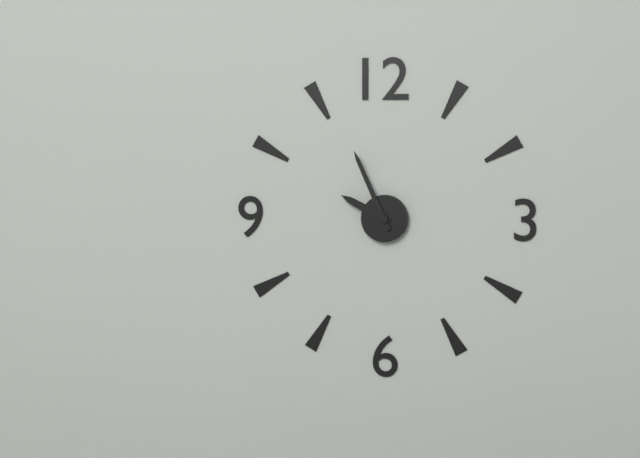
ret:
9.56
